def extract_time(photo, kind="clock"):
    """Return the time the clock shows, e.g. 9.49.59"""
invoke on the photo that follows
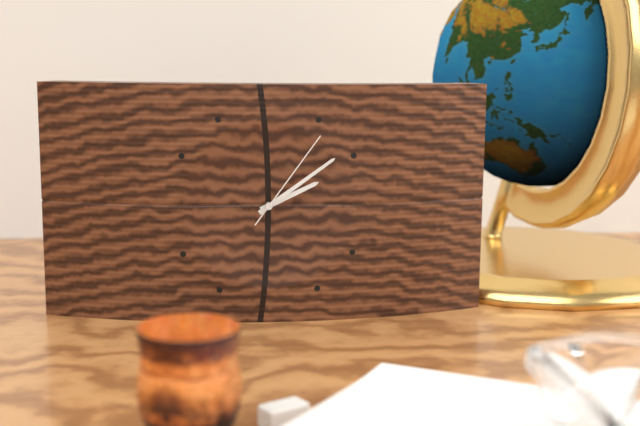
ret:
2.09.06
